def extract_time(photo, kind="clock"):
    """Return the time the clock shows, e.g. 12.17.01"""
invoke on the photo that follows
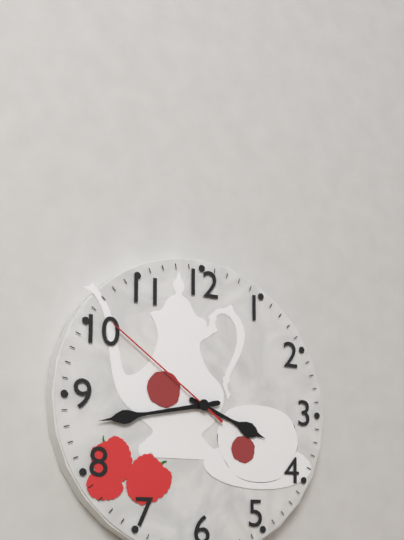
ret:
3.43.51
